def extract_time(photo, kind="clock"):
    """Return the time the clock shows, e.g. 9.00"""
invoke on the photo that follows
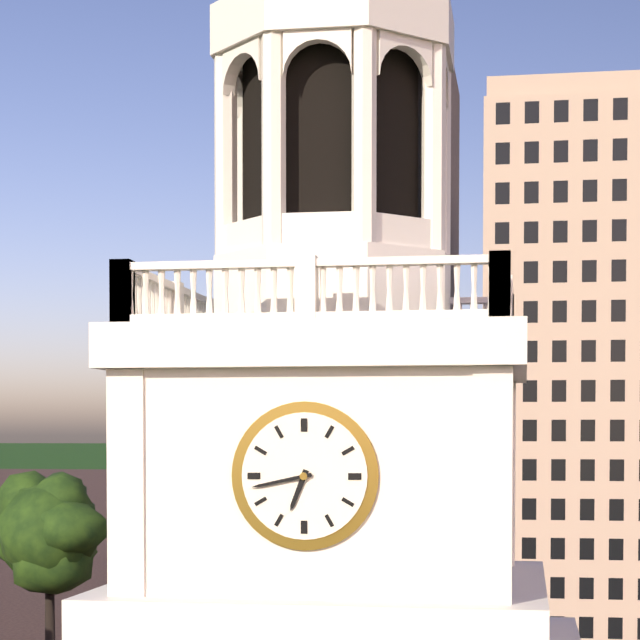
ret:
6.43
